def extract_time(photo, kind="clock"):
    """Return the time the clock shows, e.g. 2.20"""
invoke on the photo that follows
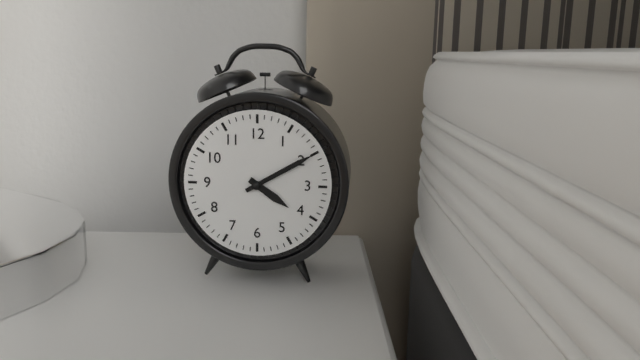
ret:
4.10
